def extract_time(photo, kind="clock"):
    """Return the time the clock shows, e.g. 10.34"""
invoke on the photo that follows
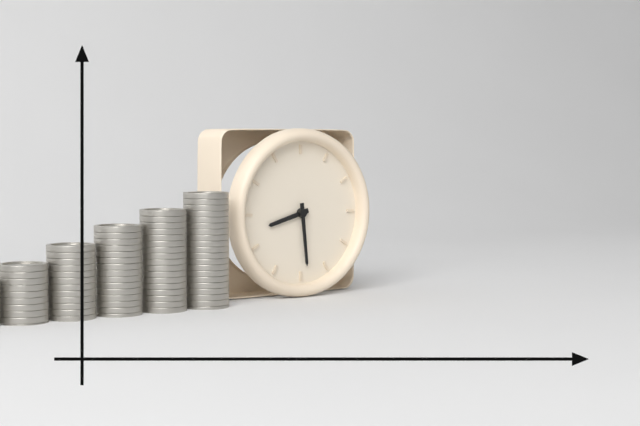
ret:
8.29
